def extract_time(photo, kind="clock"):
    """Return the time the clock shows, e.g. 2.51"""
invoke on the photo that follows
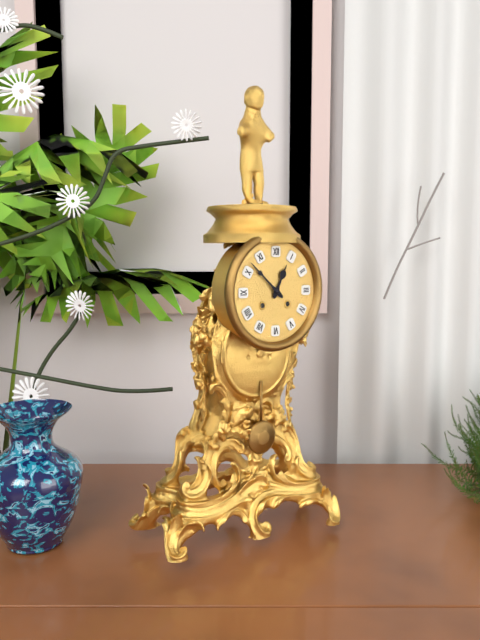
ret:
12.52
